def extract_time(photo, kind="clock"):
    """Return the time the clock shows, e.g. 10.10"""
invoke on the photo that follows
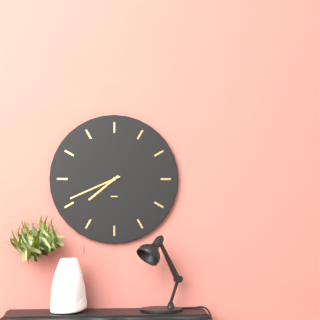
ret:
7.41
